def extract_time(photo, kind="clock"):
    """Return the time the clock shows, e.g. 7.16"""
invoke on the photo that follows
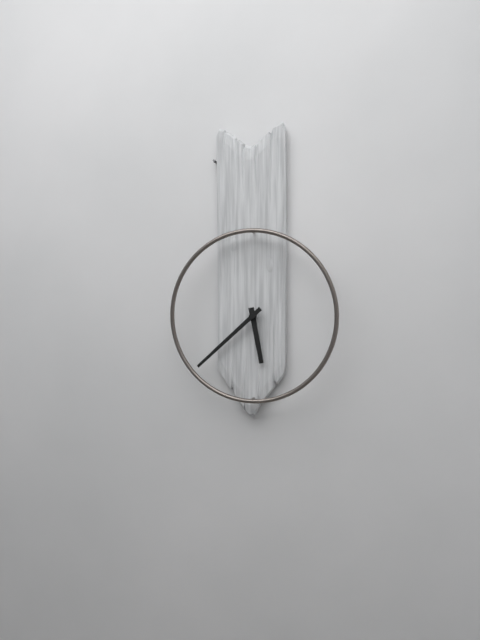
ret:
5.38
